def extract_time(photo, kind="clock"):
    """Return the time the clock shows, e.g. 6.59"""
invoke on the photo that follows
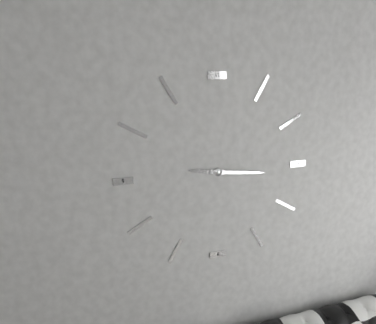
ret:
9.16
